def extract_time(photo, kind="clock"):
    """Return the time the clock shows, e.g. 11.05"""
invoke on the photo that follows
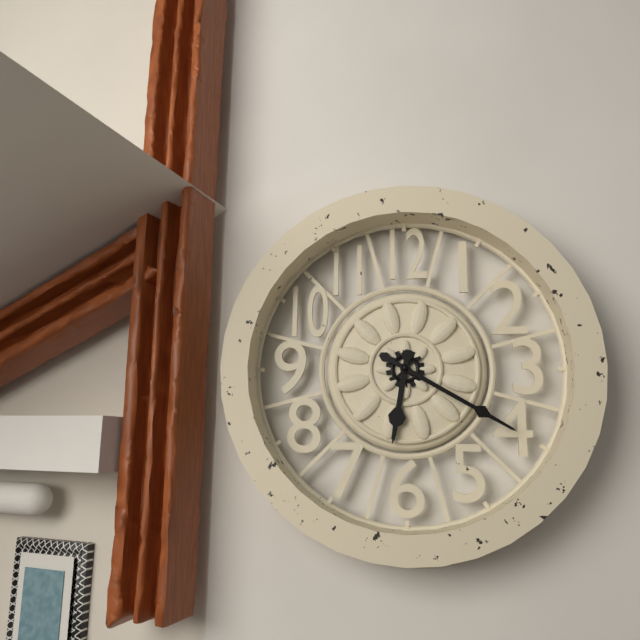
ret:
6.20
